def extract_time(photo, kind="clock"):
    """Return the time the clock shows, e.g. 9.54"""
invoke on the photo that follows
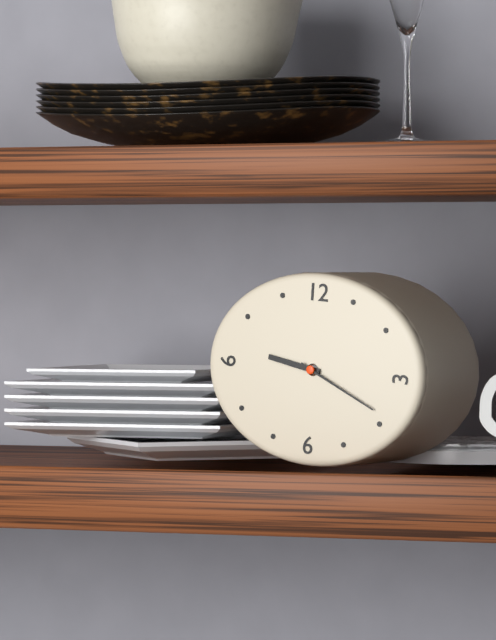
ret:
9.19
